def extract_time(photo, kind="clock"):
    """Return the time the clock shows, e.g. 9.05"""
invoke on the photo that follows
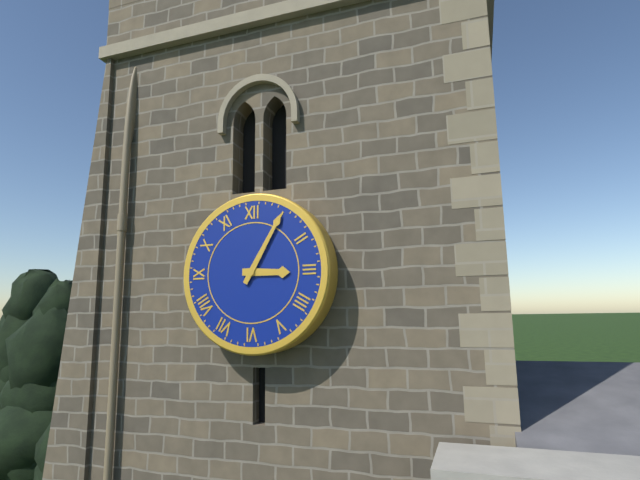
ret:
3.05
